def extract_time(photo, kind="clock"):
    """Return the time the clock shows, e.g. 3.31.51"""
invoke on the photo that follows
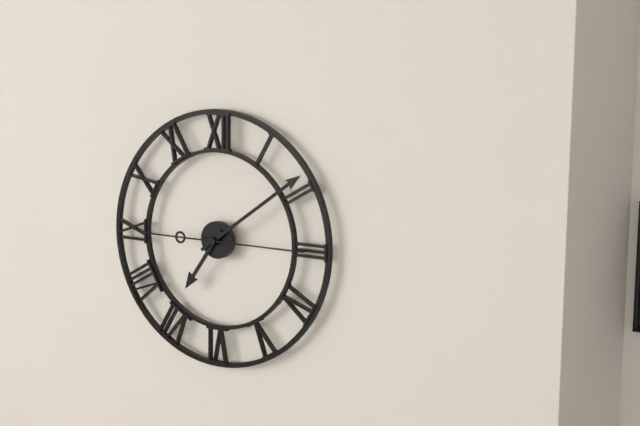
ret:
7.09.15
